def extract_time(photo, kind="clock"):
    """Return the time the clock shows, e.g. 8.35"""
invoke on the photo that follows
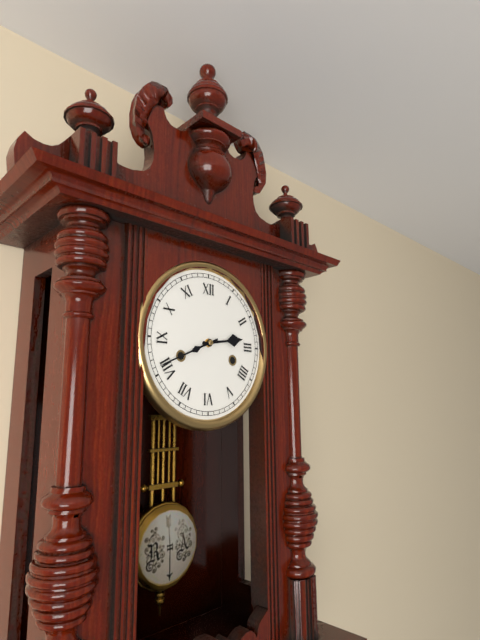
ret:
2.41
